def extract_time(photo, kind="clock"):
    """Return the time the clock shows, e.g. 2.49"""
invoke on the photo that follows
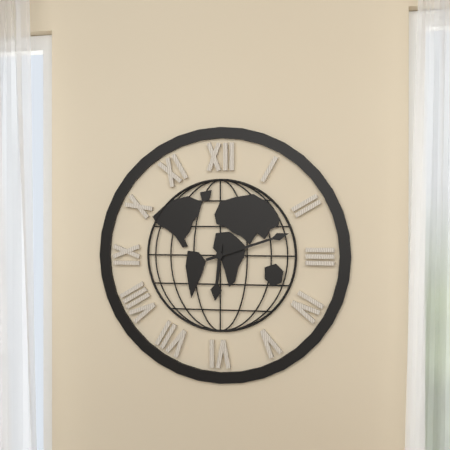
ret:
6.12
